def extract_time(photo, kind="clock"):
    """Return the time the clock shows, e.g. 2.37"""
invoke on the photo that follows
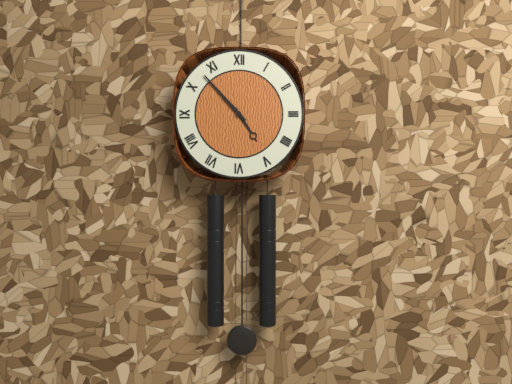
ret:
4.53
